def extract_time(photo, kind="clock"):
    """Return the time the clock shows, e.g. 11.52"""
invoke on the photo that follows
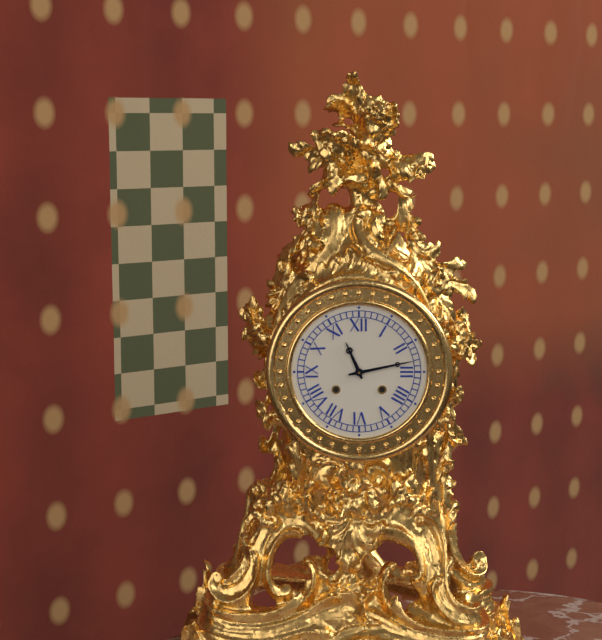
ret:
11.13
